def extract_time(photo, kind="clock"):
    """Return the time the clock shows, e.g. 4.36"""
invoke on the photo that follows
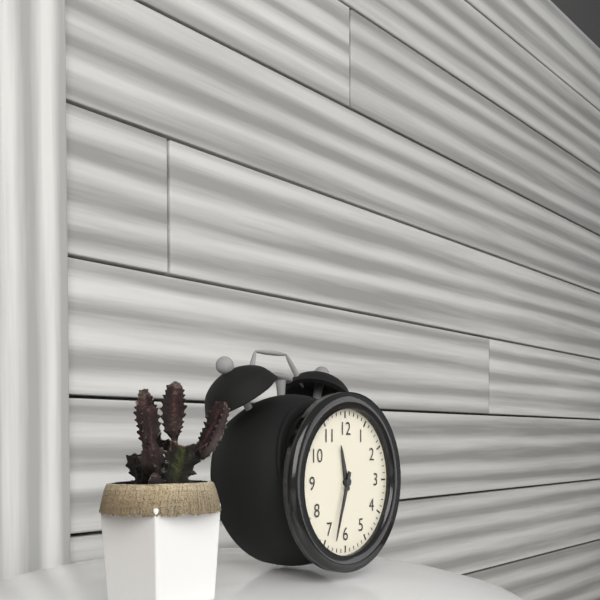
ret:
11.33
